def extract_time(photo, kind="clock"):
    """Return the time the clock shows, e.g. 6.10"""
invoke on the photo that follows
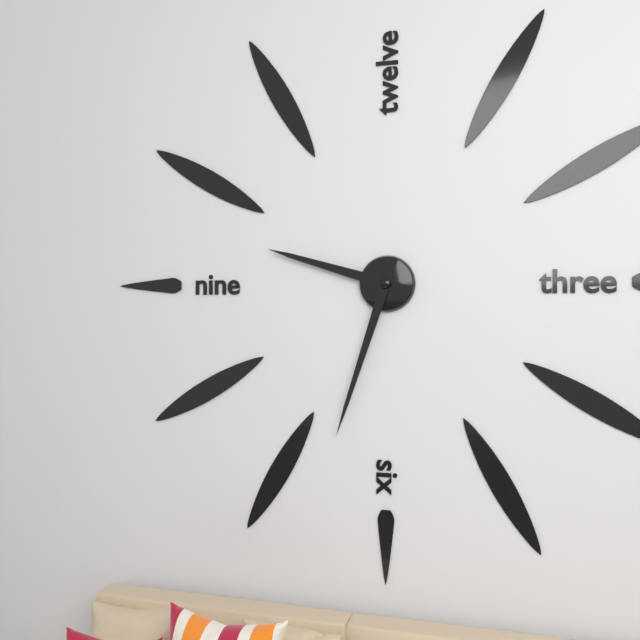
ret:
9.33
